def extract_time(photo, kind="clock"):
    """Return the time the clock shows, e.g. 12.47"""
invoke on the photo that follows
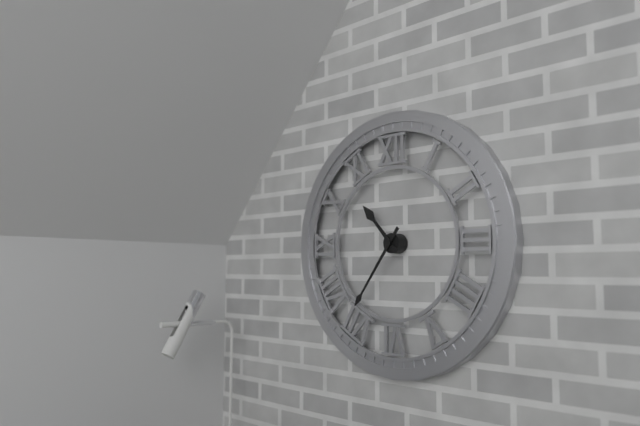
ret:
10.36
